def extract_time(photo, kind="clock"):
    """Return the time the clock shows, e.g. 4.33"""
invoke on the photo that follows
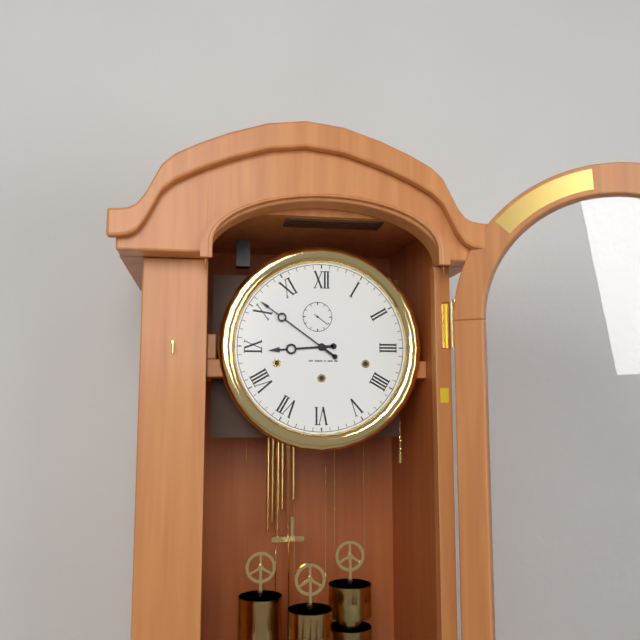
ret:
8.51
